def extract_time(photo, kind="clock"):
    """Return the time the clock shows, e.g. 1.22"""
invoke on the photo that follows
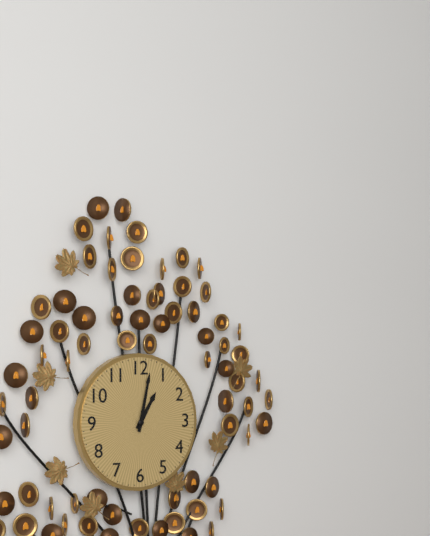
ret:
1.02
